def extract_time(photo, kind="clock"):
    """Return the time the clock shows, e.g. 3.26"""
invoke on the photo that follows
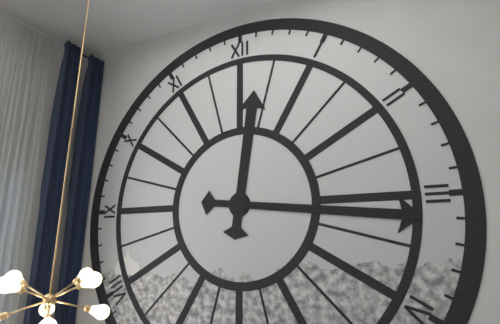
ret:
12.16
